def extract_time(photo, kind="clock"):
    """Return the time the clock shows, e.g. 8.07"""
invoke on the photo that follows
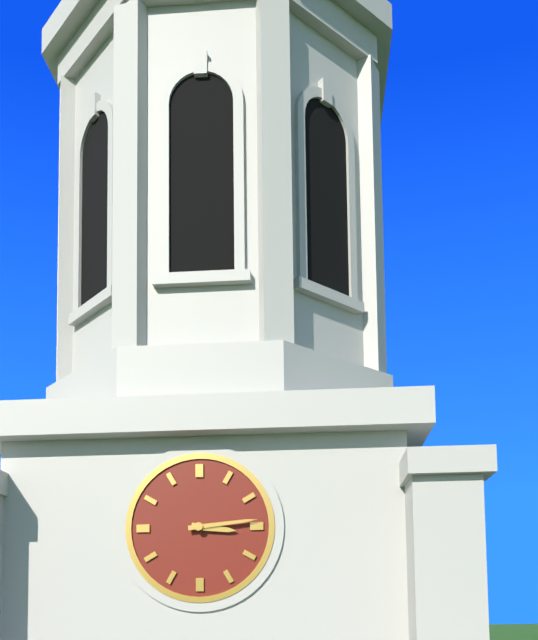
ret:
3.14
